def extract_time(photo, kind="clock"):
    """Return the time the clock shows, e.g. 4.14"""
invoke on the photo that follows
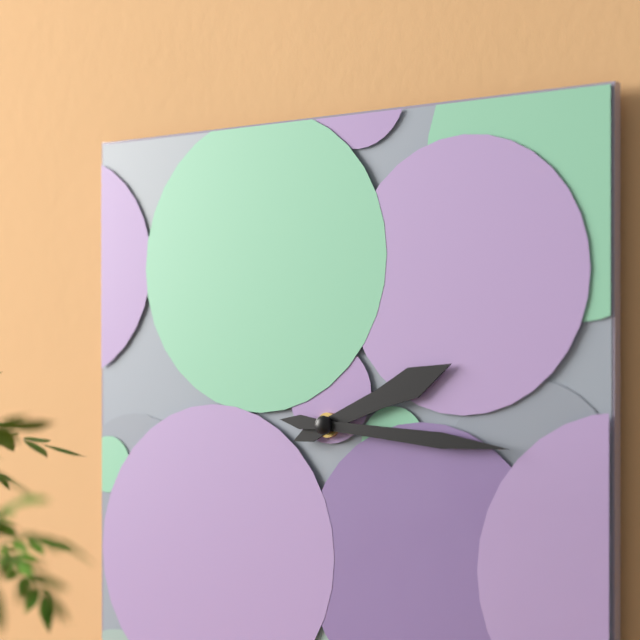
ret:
2.16
